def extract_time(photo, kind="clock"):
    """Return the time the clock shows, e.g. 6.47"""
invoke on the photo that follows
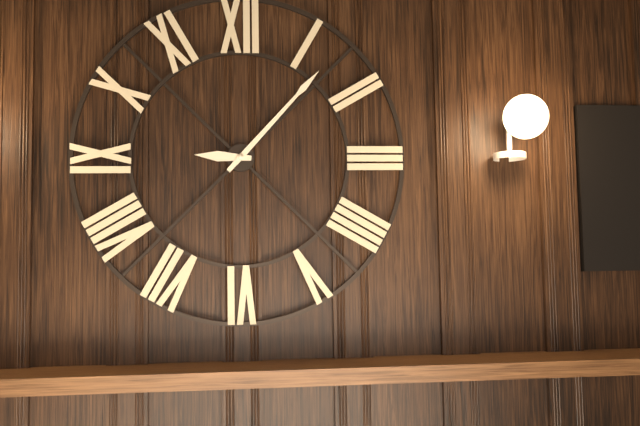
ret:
9.07
